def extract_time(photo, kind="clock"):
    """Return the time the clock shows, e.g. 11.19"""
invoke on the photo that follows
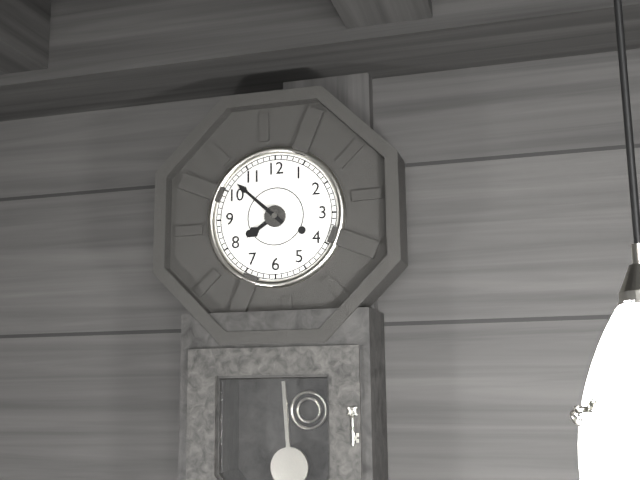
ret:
7.52
